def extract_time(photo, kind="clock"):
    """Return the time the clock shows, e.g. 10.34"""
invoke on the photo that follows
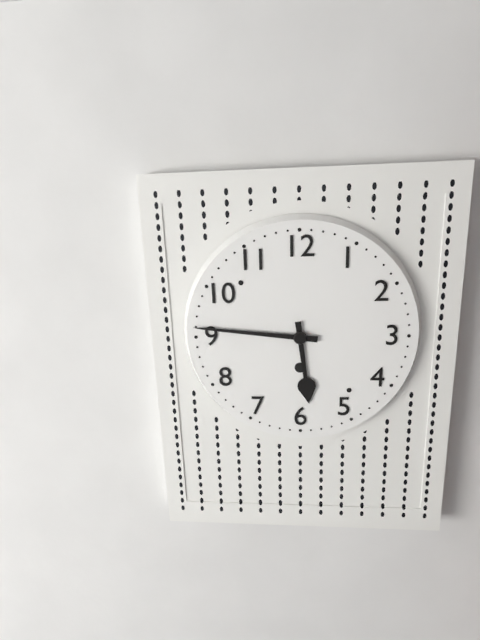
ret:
5.46
